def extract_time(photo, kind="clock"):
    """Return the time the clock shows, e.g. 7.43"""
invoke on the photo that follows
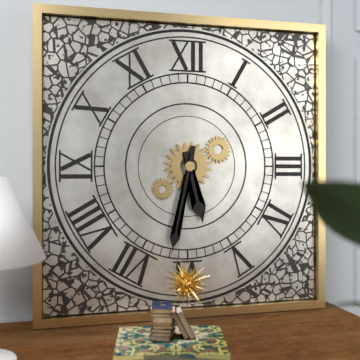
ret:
5.32
